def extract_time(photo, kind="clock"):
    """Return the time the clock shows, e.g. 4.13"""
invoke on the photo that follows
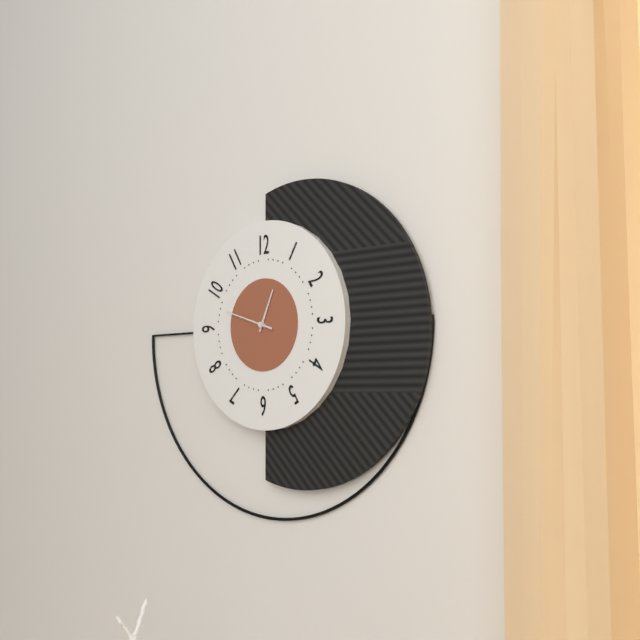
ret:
12.48
